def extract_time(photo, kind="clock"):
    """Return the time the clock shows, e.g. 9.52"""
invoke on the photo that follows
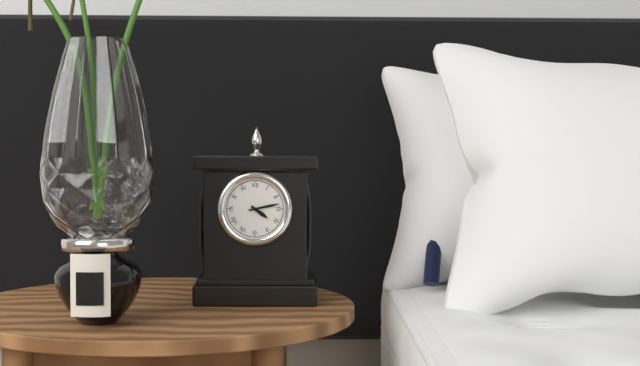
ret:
4.13
